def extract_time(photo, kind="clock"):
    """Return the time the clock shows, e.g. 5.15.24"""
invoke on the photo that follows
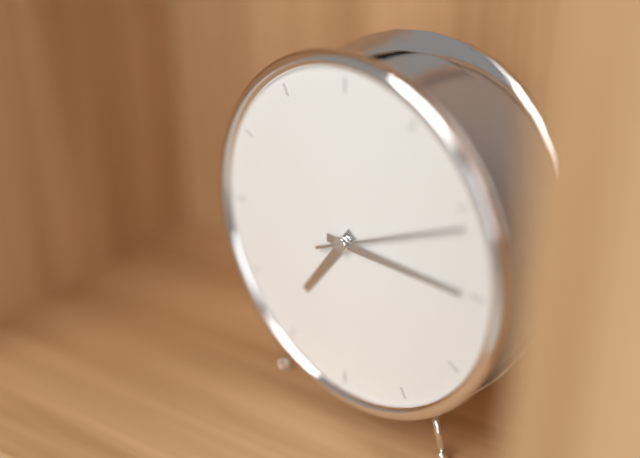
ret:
7.15.11
